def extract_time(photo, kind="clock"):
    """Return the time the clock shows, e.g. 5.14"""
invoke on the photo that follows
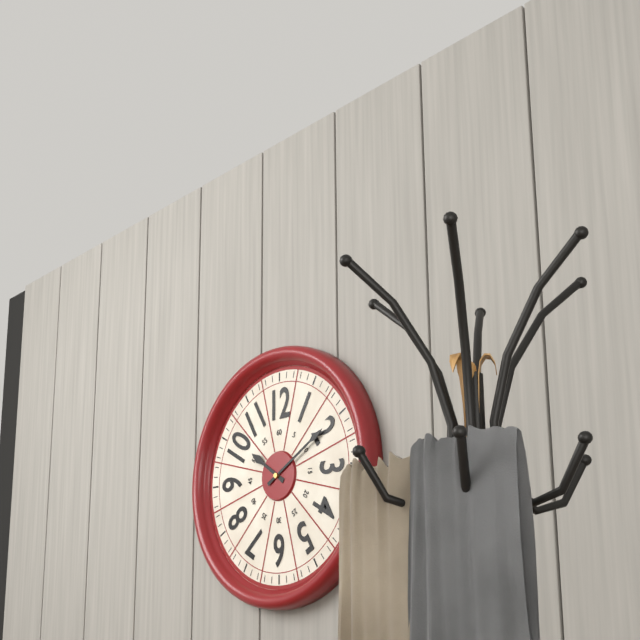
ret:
10.10
